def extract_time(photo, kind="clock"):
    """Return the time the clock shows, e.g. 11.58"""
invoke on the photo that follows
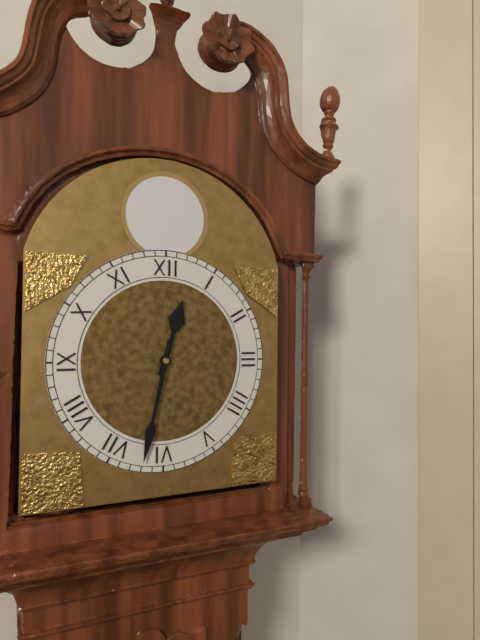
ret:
12.32
